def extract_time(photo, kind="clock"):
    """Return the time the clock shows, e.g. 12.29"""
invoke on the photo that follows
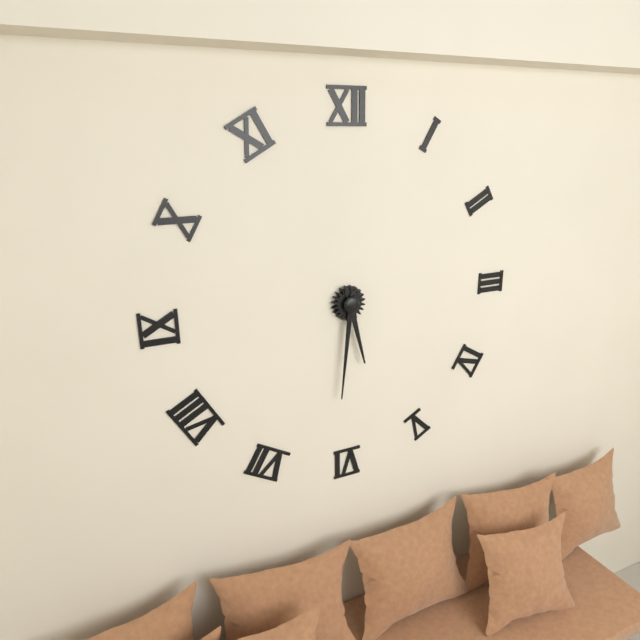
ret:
5.31
